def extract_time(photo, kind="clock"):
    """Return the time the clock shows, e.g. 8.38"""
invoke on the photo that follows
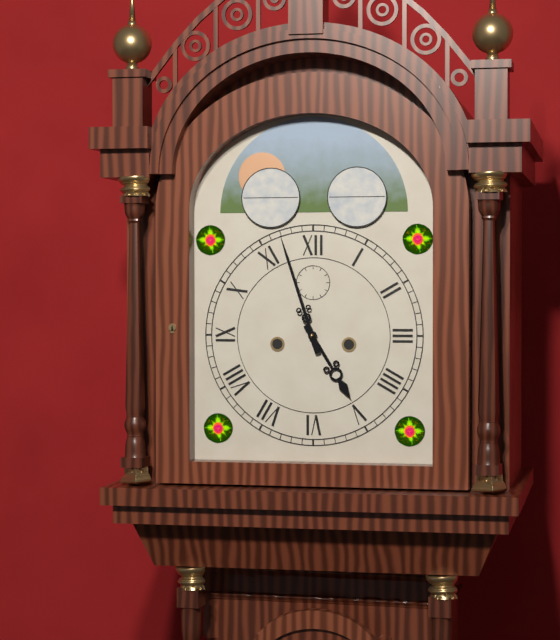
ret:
4.57
